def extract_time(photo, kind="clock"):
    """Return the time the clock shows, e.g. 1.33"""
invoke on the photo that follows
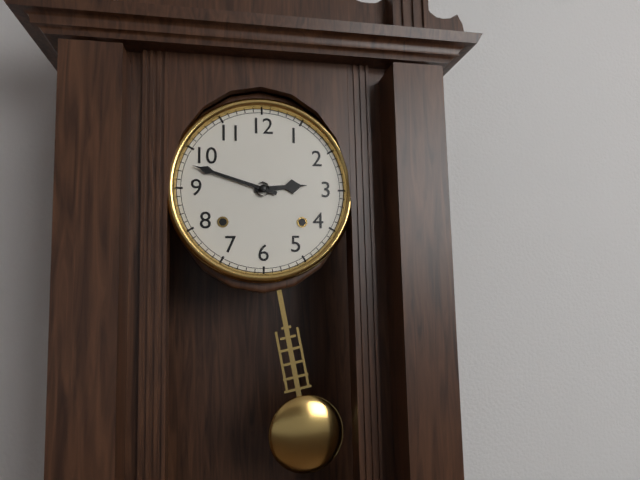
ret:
2.48
